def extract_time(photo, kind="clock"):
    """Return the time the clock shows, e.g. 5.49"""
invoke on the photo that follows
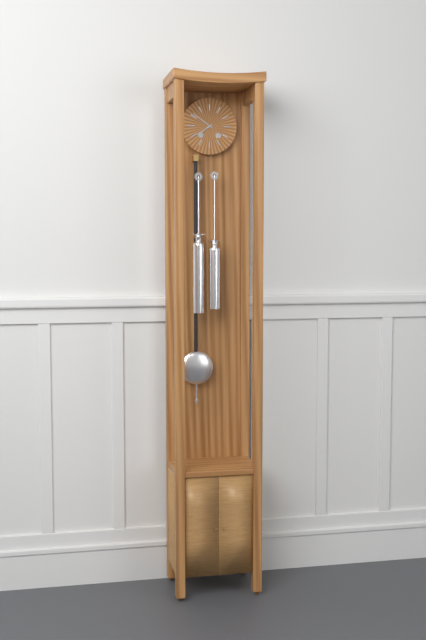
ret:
7.51
